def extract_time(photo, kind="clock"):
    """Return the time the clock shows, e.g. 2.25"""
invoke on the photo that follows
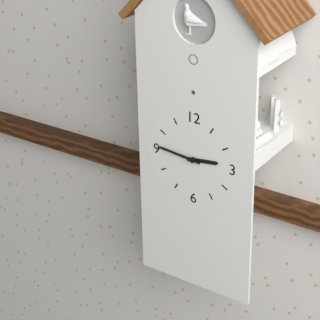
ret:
2.46
